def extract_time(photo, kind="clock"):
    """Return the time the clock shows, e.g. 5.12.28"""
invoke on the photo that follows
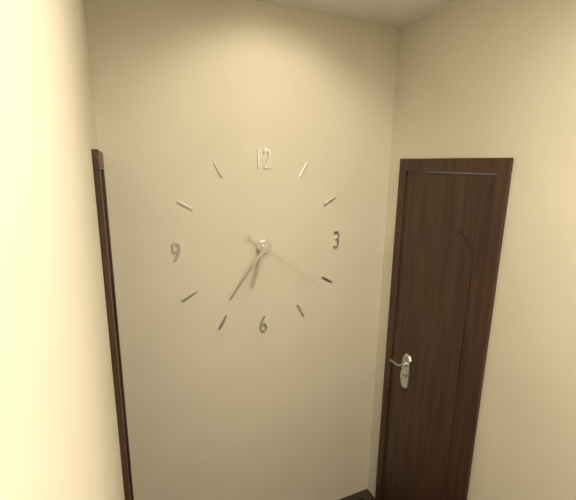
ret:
6.36.21
